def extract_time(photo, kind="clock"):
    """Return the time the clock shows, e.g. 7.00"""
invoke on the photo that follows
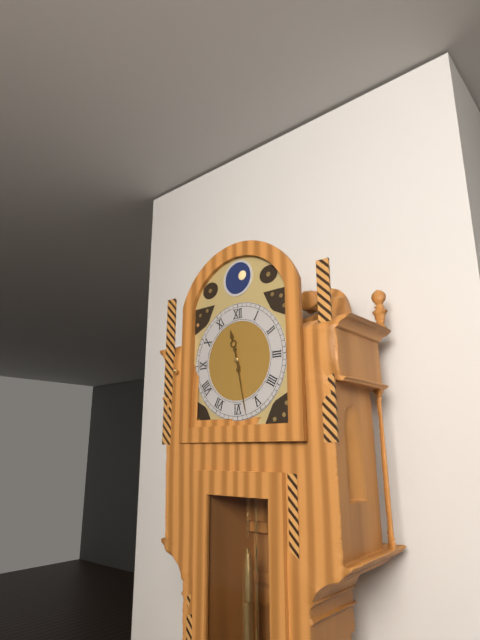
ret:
11.28
